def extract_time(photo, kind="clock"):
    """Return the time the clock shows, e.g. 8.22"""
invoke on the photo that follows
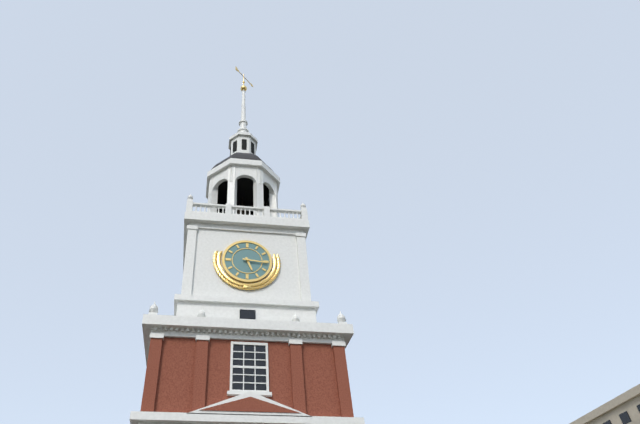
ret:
5.16
